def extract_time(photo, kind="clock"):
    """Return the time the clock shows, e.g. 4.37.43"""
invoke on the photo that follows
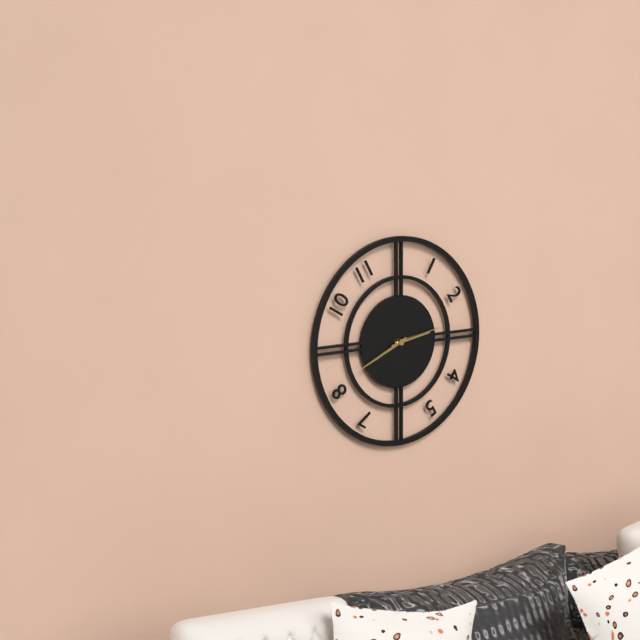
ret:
2.41.13
